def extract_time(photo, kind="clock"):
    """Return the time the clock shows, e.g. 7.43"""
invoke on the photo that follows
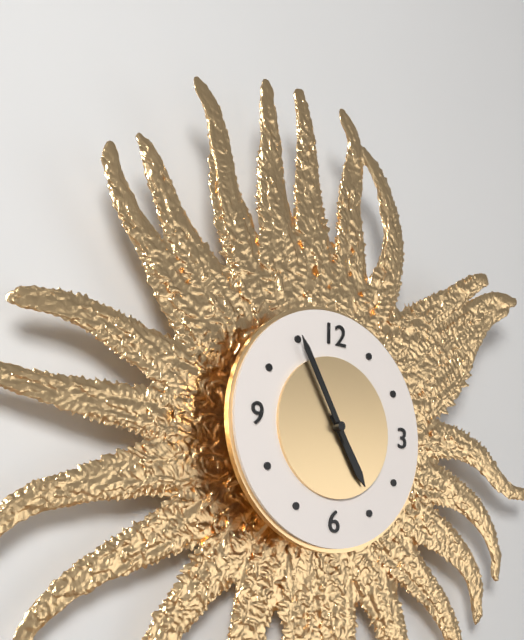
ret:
4.55
